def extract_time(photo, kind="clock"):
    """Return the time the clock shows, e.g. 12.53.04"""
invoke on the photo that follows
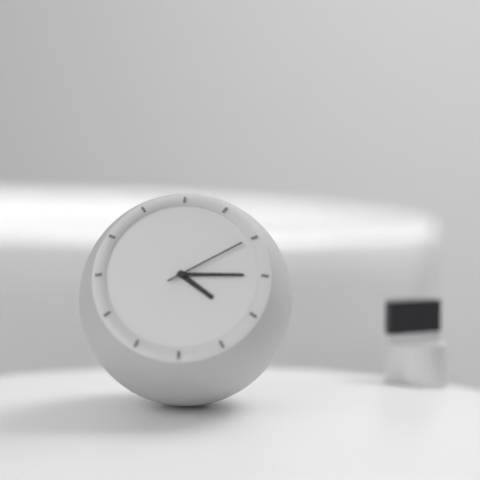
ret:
4.15.10
